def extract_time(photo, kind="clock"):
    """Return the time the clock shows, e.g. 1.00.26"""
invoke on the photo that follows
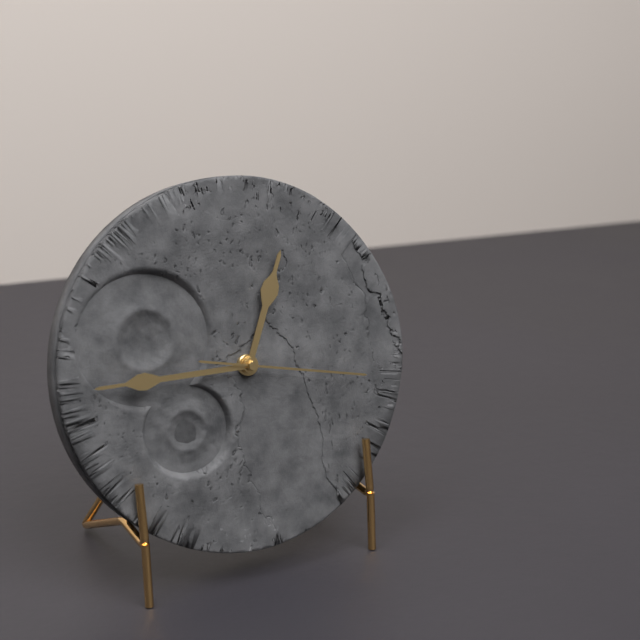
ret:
12.45.17
